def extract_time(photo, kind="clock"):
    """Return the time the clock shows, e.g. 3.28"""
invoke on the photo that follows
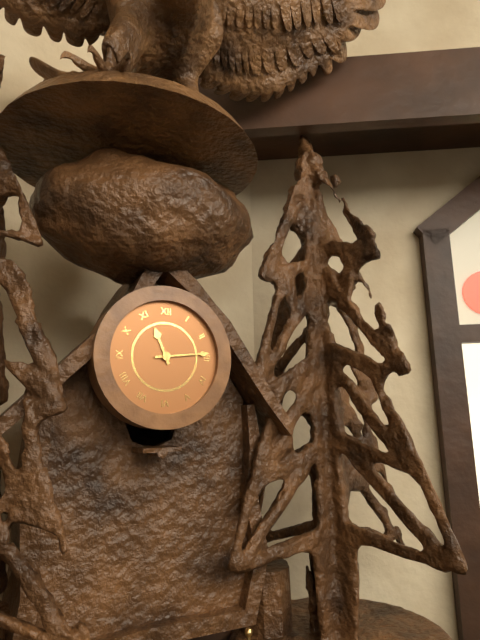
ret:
11.14
